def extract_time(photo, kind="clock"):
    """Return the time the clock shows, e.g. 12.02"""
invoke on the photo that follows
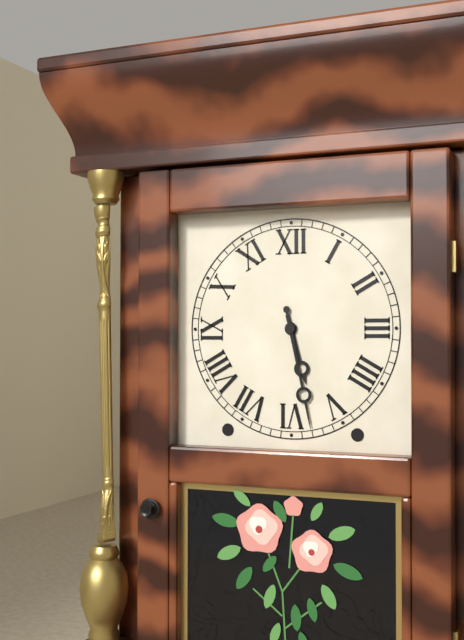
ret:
5.28
